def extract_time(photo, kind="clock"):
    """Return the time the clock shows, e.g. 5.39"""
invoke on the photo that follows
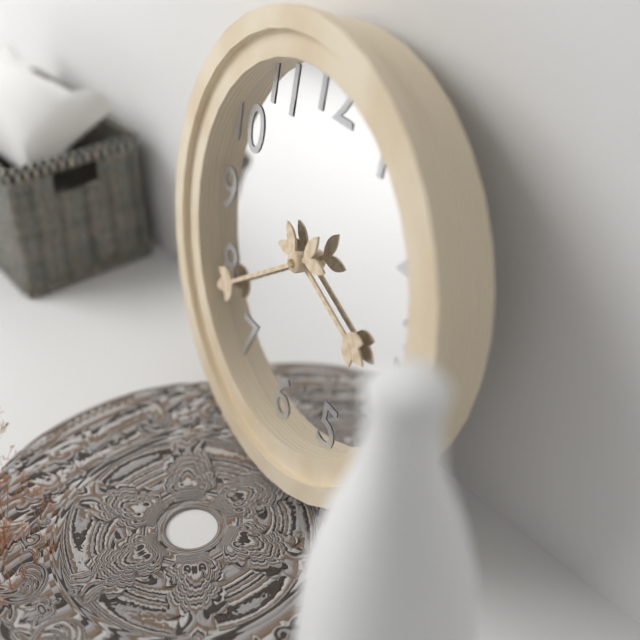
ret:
3.39
